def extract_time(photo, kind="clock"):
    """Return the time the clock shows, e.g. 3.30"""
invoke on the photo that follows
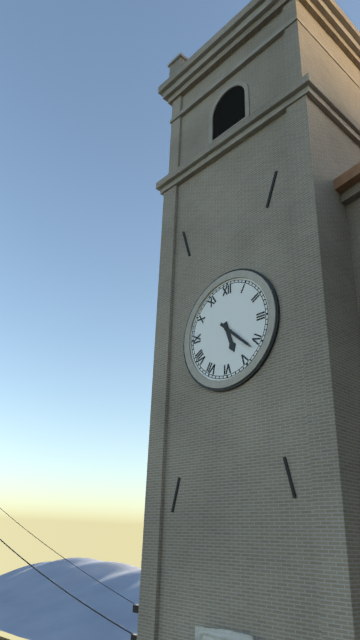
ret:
5.22
